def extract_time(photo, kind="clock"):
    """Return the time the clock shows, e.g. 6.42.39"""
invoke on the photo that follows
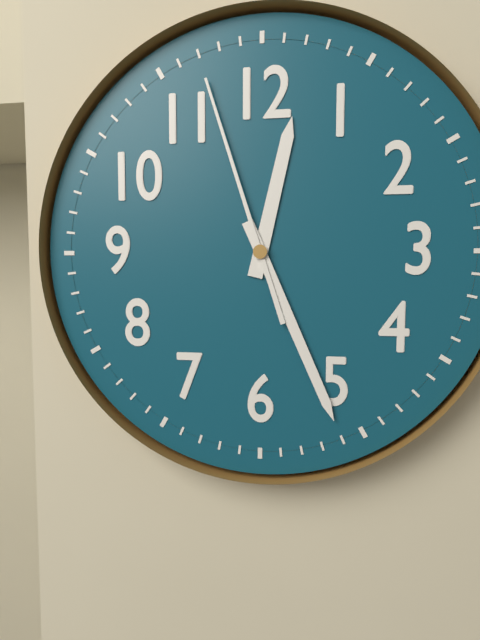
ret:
12.26.57
